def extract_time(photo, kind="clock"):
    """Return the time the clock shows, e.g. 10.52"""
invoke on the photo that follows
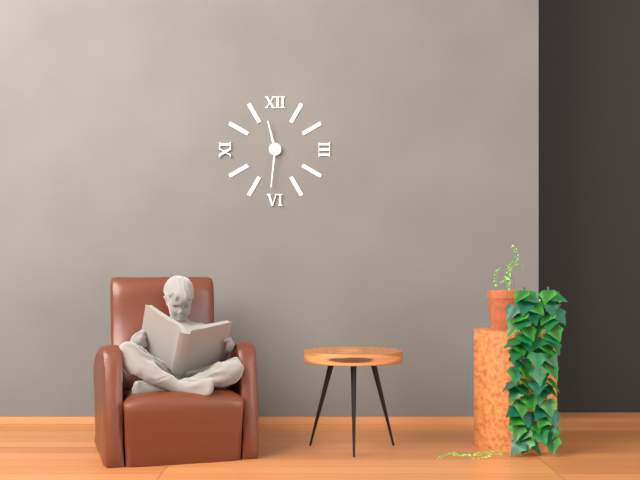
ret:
11.31
